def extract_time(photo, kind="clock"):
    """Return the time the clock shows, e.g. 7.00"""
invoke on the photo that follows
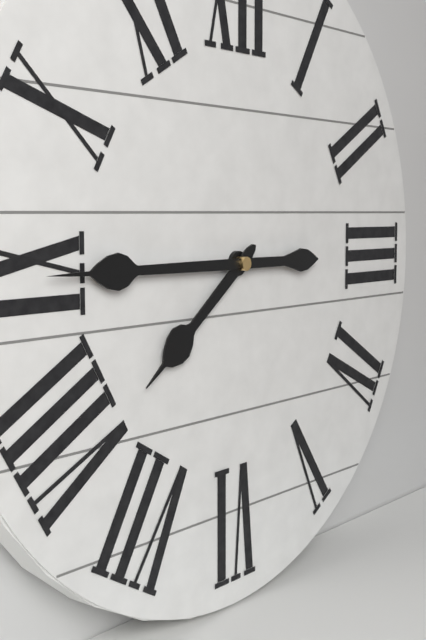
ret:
7.45
